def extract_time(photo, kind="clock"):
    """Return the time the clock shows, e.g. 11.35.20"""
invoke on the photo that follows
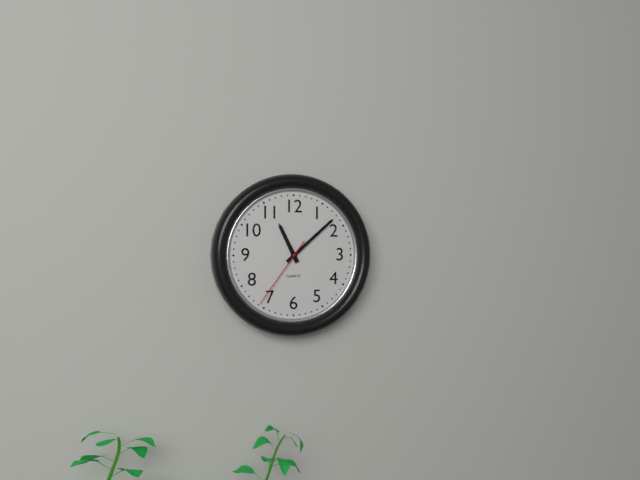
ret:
11.08.36
